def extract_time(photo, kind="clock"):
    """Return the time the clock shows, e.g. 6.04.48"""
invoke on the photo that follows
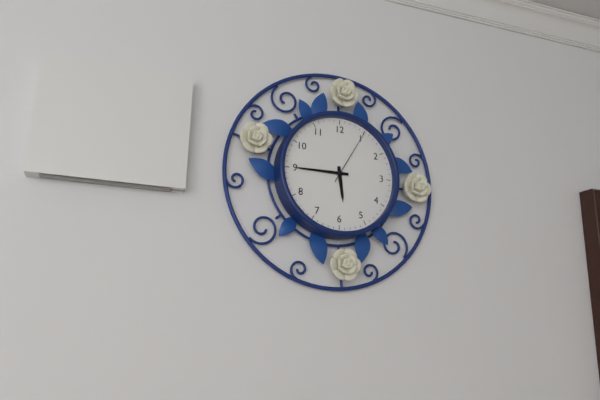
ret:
5.45.05
